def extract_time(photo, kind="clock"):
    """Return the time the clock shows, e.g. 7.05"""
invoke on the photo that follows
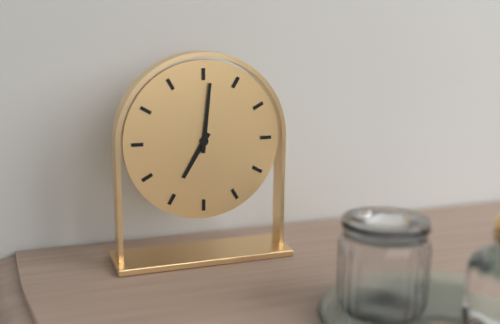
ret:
7.01
